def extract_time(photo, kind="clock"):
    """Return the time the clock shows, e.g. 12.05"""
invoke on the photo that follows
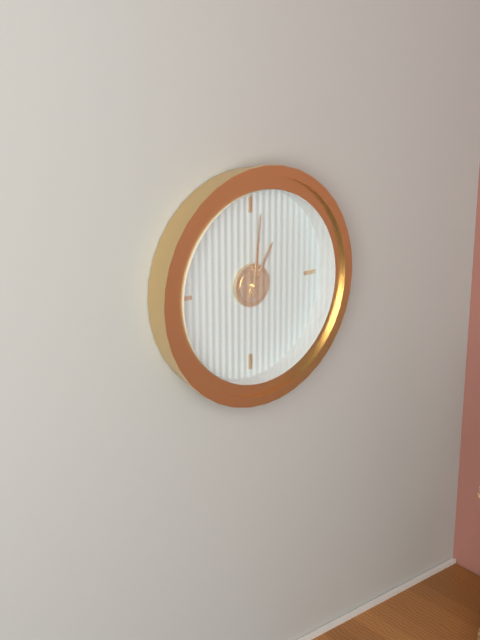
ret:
1.01
